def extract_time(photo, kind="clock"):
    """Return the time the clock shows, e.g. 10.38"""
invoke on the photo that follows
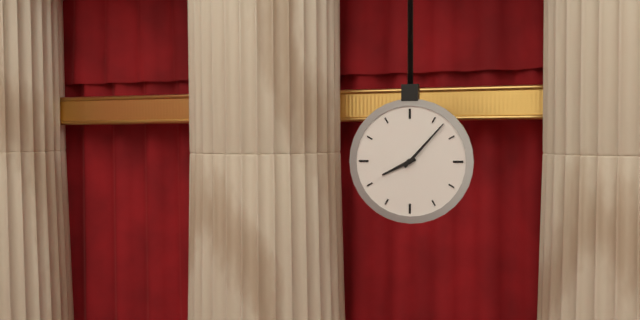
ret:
8.07
